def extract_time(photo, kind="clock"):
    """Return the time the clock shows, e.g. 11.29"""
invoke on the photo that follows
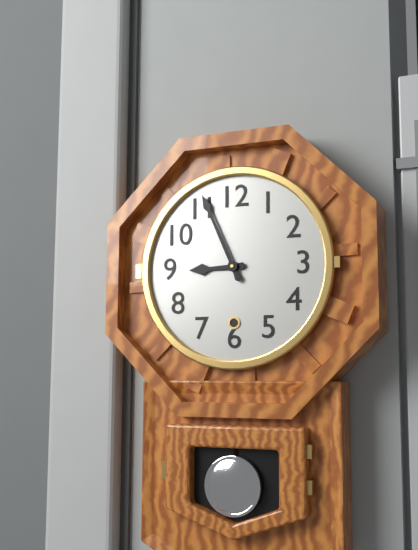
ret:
8.56
